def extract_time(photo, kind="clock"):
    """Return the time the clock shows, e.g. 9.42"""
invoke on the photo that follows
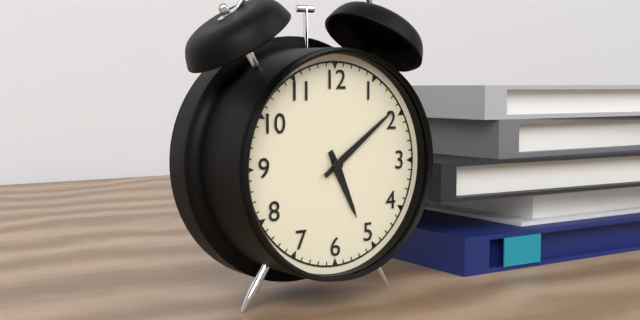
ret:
5.09
